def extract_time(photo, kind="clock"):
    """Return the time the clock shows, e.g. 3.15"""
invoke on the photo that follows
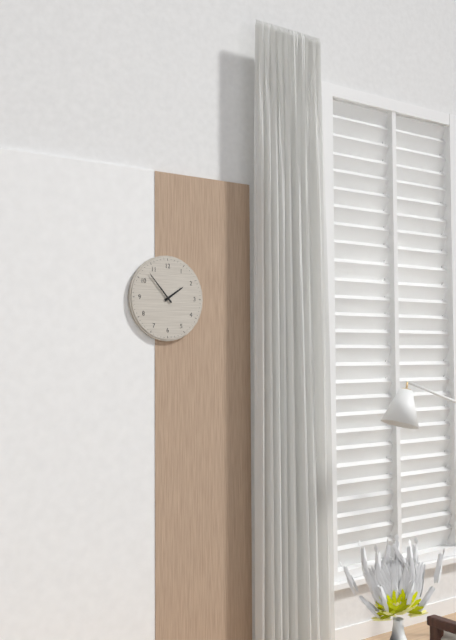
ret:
1.53
